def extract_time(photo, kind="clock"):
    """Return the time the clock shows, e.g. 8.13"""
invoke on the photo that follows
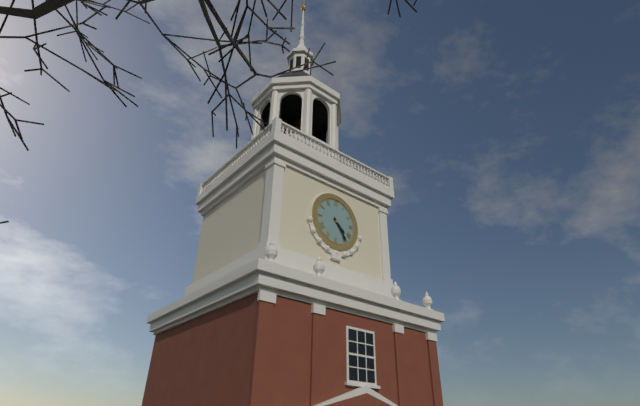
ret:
4.24
